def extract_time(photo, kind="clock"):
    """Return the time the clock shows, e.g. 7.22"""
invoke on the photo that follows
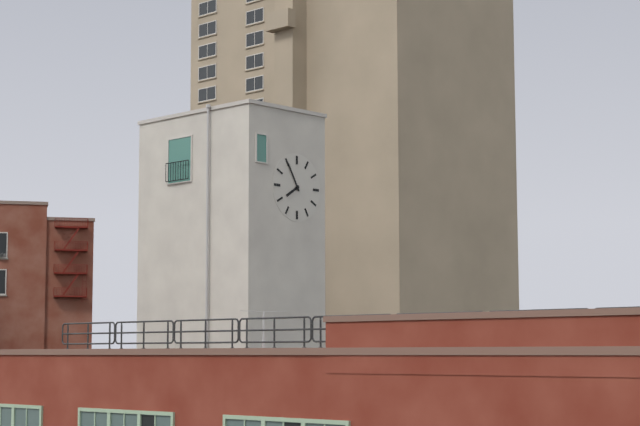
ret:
7.55
